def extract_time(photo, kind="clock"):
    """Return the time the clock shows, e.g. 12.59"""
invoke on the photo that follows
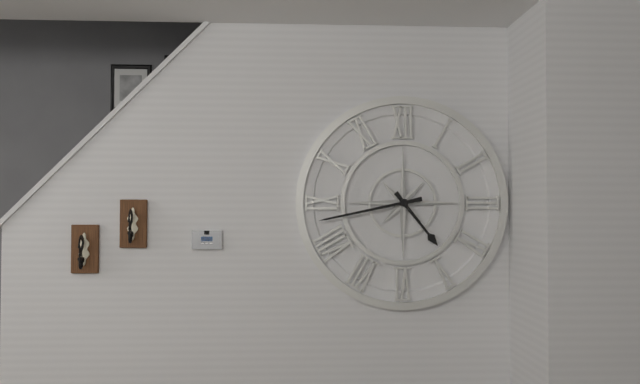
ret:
4.43
